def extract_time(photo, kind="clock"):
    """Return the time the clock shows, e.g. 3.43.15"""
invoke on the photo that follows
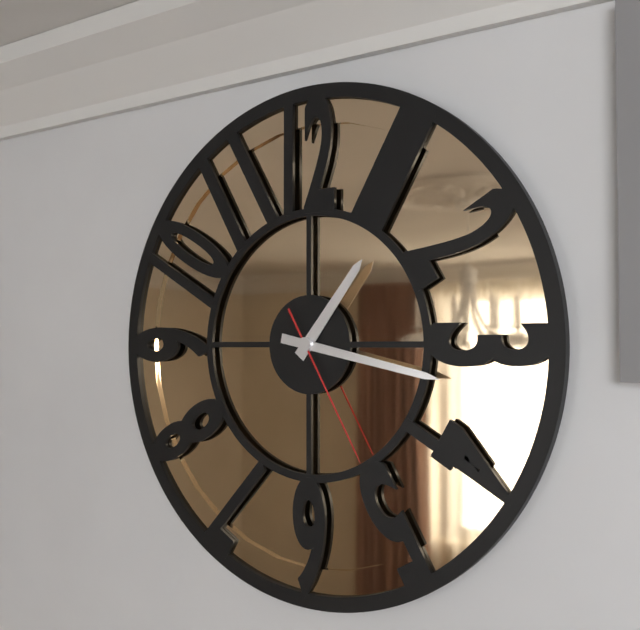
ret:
1.17.25
